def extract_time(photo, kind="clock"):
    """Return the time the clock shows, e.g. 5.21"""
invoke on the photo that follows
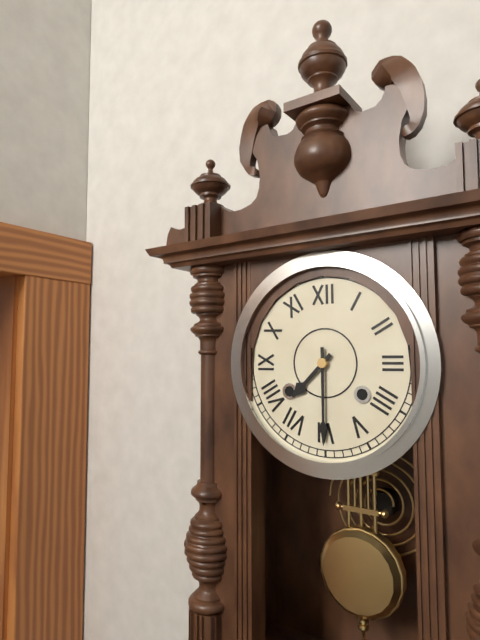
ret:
7.30
